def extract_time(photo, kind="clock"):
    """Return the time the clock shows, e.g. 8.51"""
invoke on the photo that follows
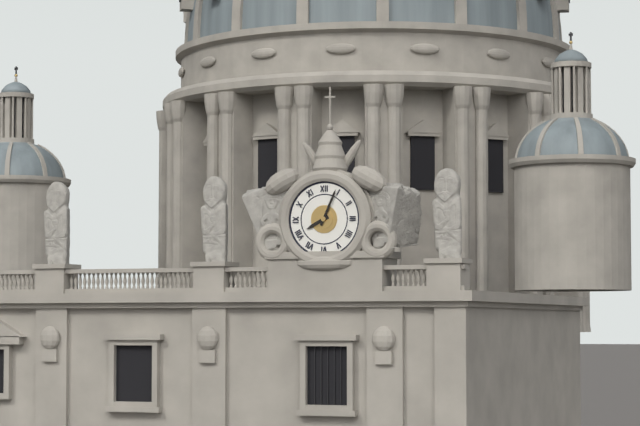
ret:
8.04
